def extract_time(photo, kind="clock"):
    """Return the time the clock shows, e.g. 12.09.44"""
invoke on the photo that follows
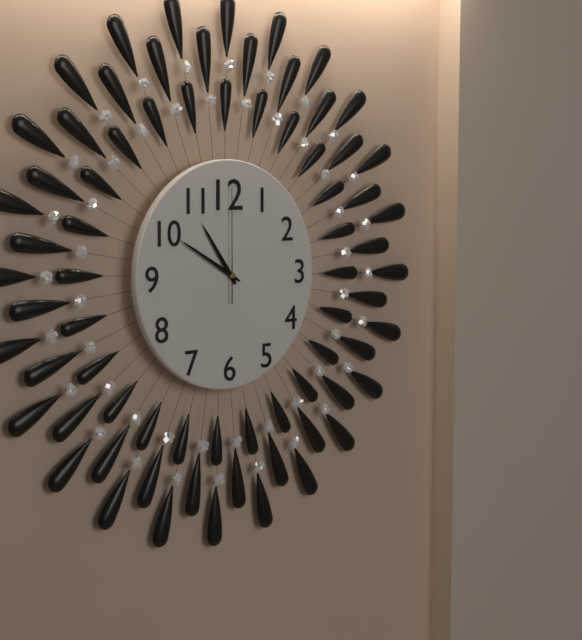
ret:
10.50.00
